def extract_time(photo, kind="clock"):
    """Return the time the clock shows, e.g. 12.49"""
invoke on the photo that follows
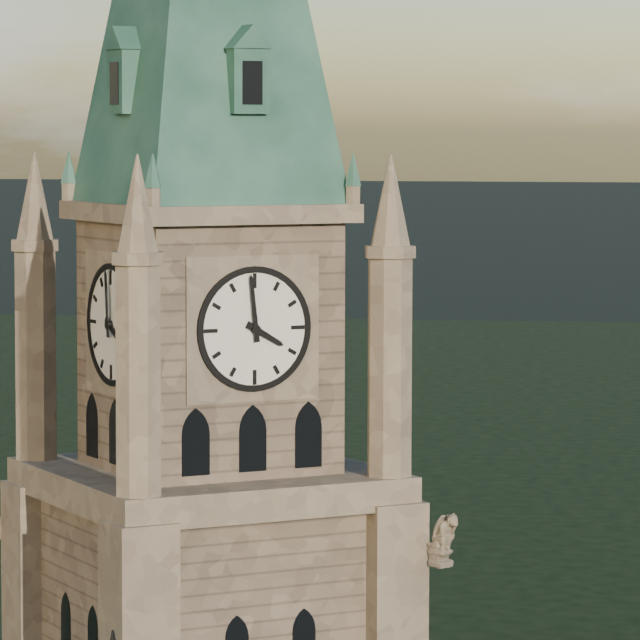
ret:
3.59
